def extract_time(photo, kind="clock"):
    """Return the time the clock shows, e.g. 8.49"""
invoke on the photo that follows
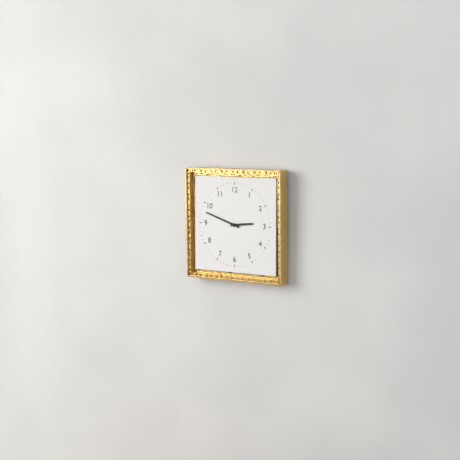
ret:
2.48
